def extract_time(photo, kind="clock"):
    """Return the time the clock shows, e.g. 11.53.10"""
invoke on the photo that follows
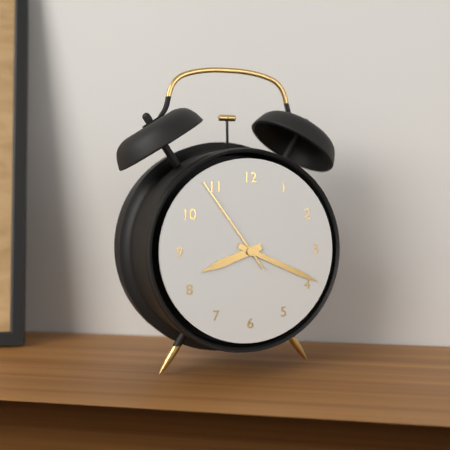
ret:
8.19.54
